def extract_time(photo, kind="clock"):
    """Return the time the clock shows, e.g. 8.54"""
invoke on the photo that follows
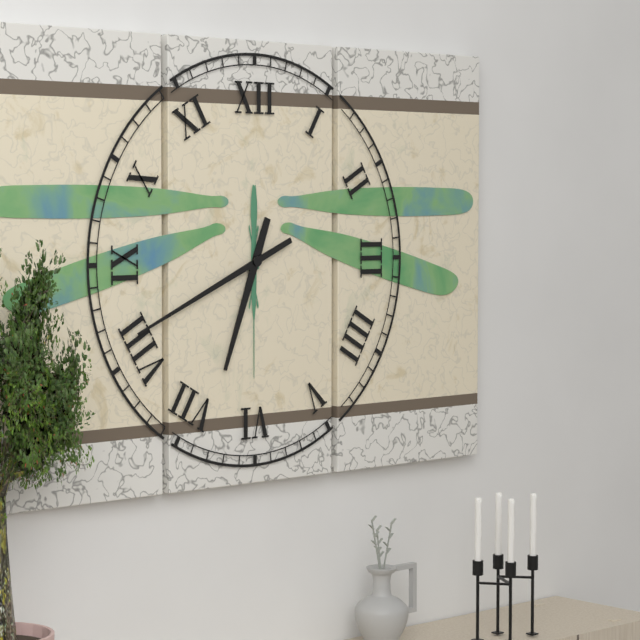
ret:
6.41
